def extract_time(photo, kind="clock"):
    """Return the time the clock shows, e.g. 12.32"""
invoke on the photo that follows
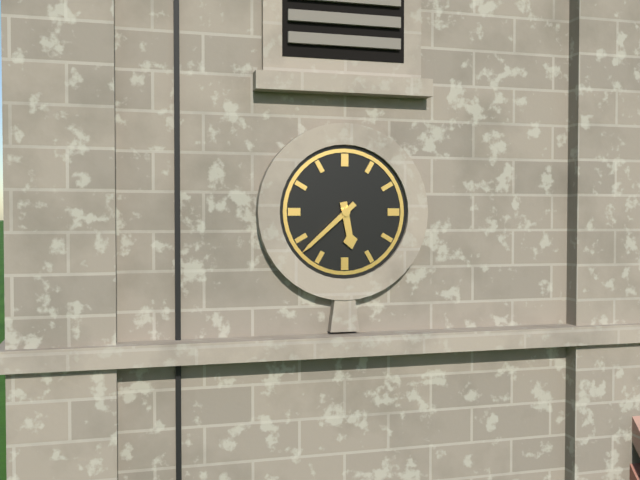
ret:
5.38
